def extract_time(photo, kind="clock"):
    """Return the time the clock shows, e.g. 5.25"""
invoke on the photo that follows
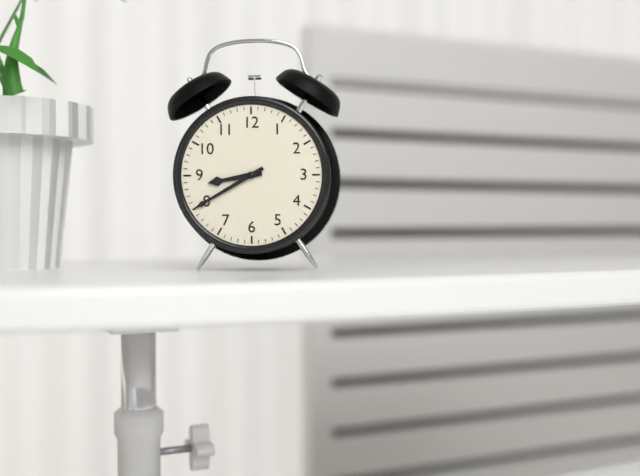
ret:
8.40
